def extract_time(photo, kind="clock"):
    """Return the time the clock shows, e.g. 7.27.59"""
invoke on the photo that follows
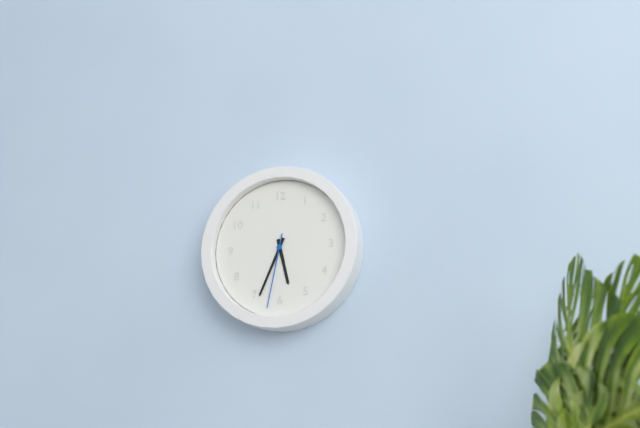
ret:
5.34.32
